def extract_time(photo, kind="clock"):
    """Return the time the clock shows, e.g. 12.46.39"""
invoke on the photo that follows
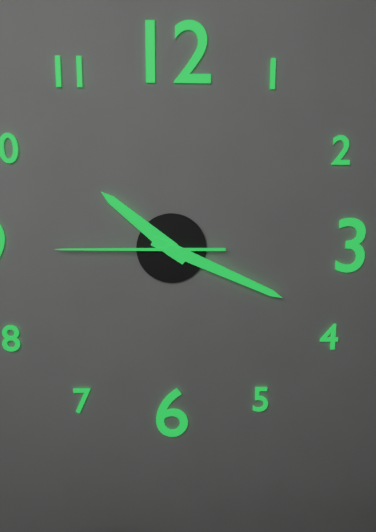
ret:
10.19.45
